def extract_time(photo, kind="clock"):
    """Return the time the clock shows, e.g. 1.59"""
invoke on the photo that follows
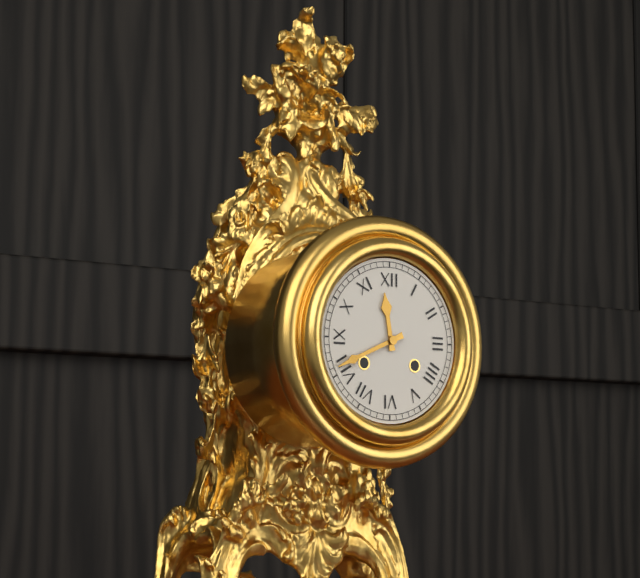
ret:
11.41
